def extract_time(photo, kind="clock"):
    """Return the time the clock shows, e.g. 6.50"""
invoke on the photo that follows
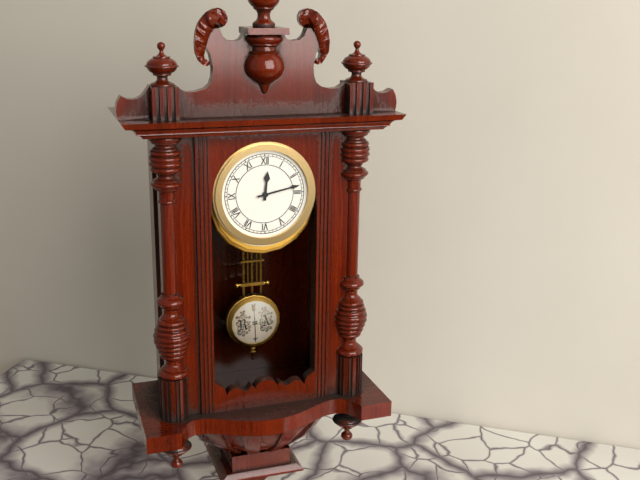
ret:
12.13
